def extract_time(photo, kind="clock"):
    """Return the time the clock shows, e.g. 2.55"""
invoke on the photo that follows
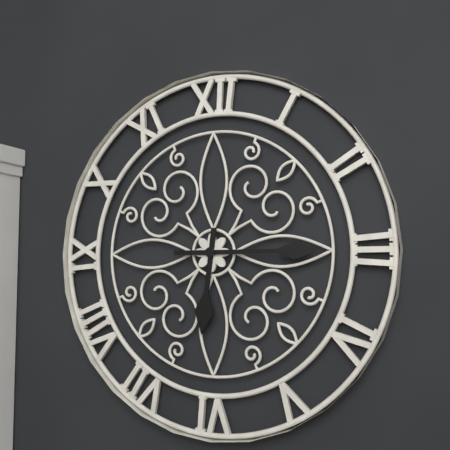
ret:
6.15
